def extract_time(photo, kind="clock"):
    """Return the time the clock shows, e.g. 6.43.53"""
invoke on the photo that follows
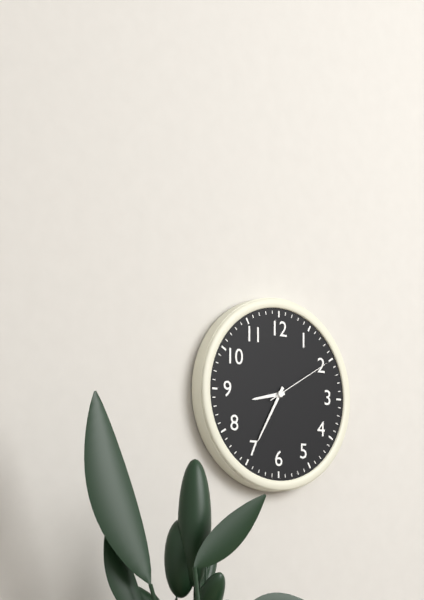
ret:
8.35.10
